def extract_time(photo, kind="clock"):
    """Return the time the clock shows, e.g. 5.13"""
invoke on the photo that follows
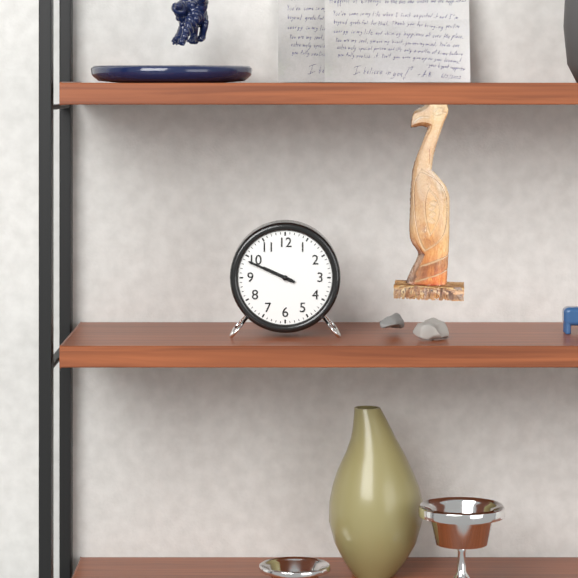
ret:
9.49
